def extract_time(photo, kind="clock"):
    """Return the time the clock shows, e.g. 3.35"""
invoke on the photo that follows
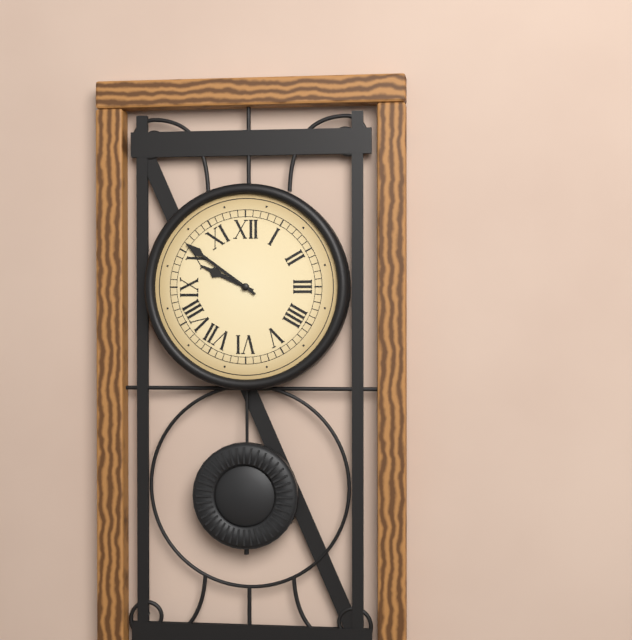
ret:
9.51
